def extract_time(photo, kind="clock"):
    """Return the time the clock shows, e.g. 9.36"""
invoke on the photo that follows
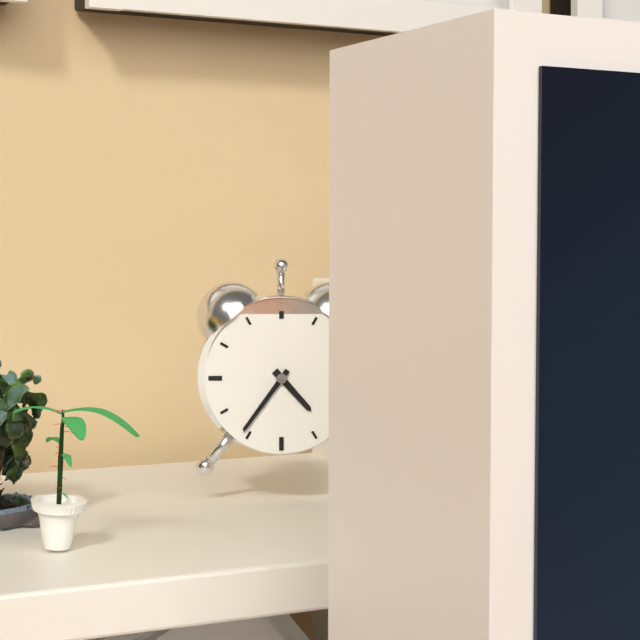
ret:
4.36
